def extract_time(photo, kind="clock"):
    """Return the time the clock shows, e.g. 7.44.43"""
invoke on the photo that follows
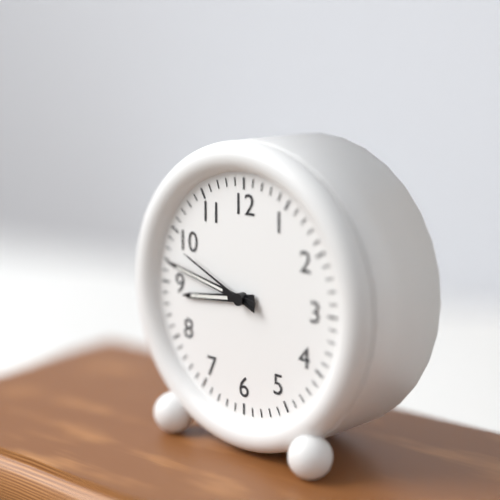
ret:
8.47.49
